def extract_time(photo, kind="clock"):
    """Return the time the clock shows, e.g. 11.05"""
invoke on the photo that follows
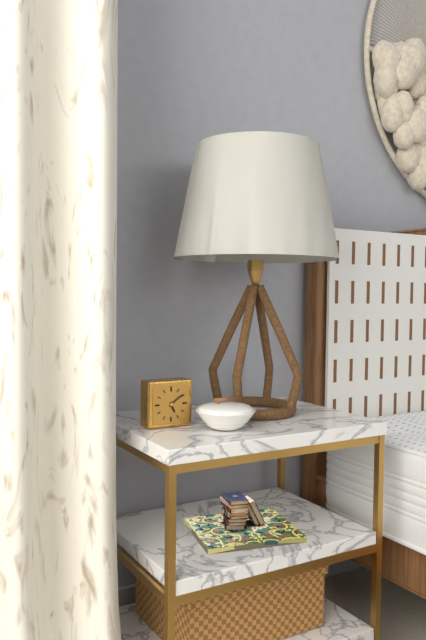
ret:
5.09
